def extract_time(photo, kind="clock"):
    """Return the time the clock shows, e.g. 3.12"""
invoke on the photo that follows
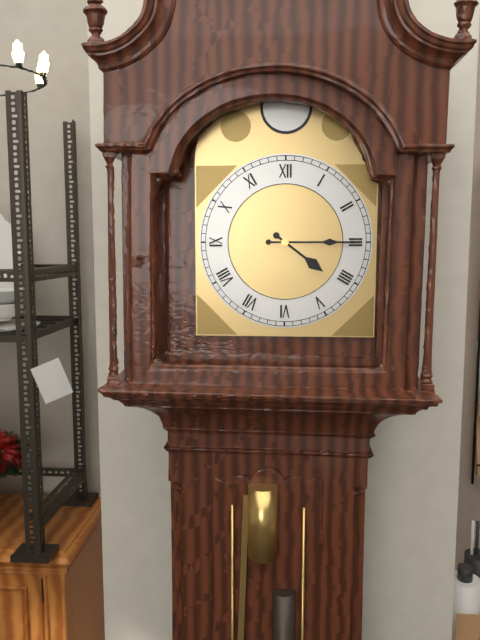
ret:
4.15
